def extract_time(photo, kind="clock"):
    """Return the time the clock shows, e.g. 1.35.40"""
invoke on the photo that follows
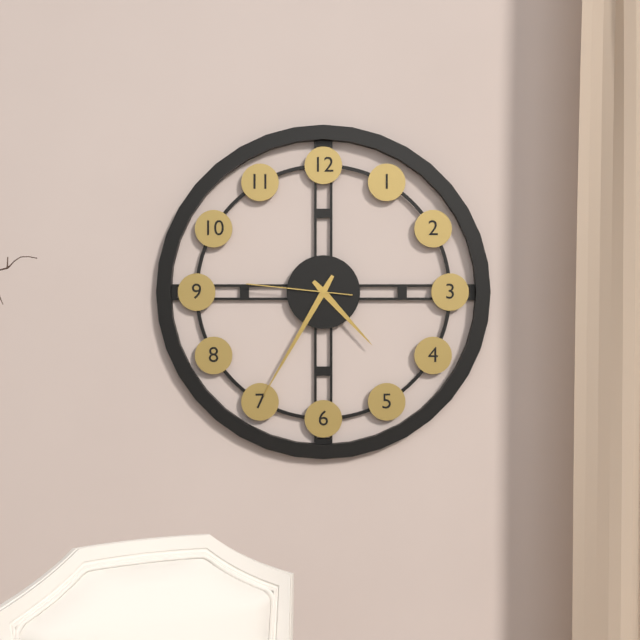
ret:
4.35.46
